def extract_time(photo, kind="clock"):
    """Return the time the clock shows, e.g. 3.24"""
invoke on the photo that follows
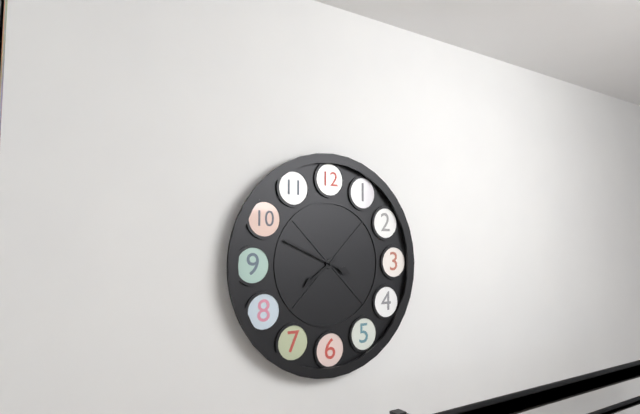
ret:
7.49
